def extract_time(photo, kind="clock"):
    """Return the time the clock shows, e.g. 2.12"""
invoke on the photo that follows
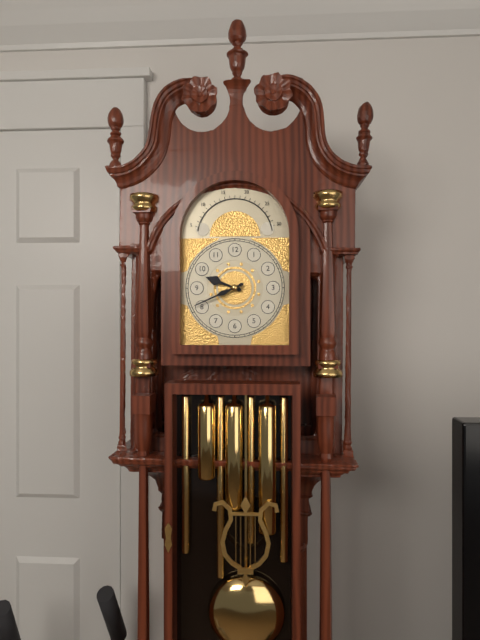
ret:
9.41
